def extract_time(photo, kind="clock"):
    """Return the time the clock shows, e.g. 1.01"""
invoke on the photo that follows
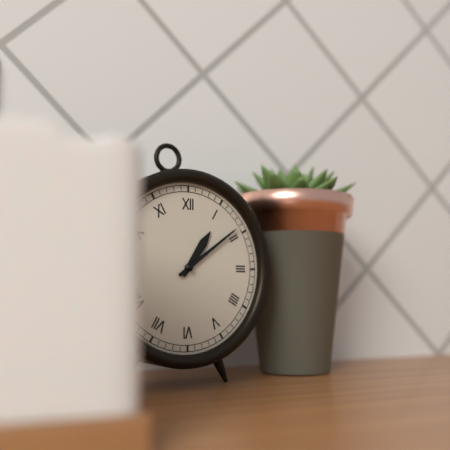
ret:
1.09
